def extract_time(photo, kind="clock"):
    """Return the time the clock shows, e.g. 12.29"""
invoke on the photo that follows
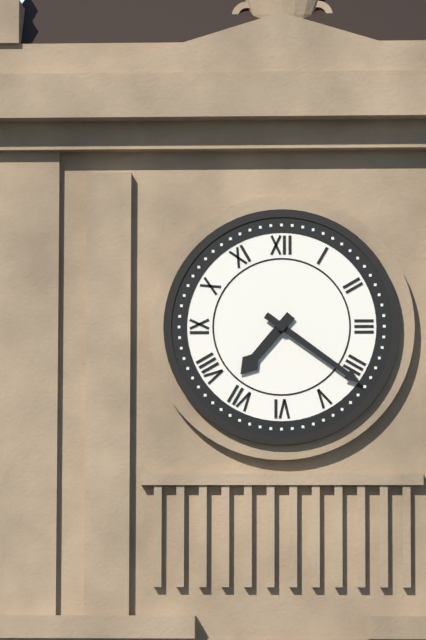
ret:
7.21
